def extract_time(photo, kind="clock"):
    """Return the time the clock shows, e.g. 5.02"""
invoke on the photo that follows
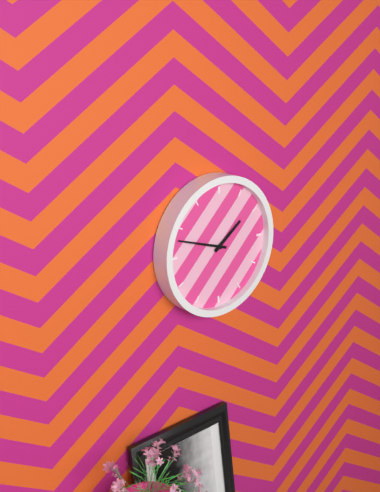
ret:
1.48
